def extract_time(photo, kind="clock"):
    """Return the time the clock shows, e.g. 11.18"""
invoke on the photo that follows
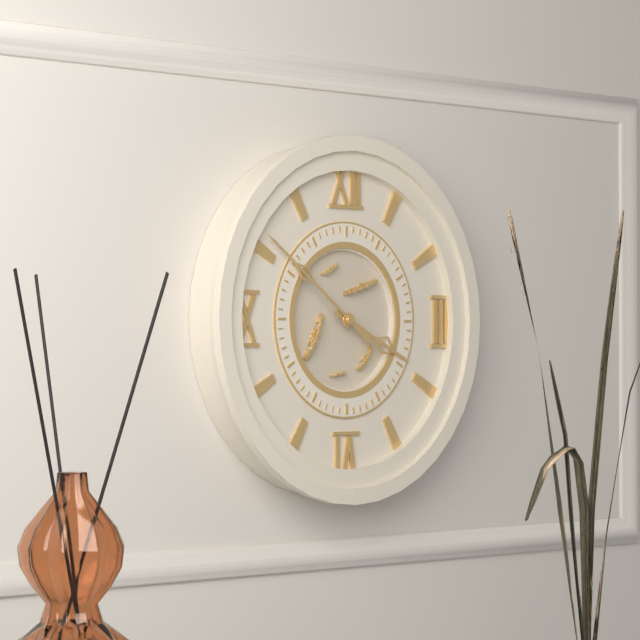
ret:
3.51
